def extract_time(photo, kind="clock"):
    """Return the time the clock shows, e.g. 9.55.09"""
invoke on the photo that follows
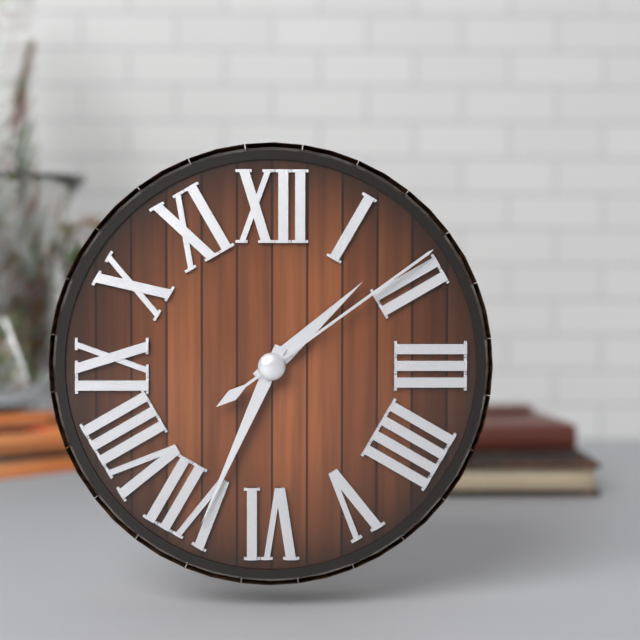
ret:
1.34.09
